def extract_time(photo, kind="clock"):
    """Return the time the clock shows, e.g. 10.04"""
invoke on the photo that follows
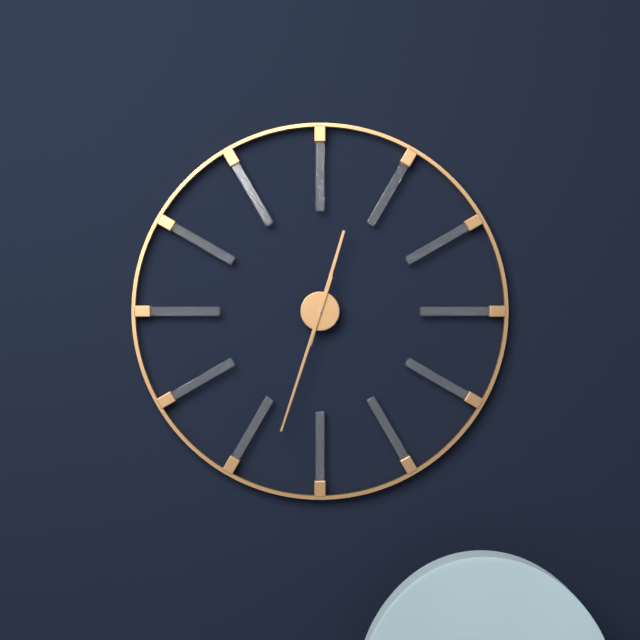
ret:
12.33
